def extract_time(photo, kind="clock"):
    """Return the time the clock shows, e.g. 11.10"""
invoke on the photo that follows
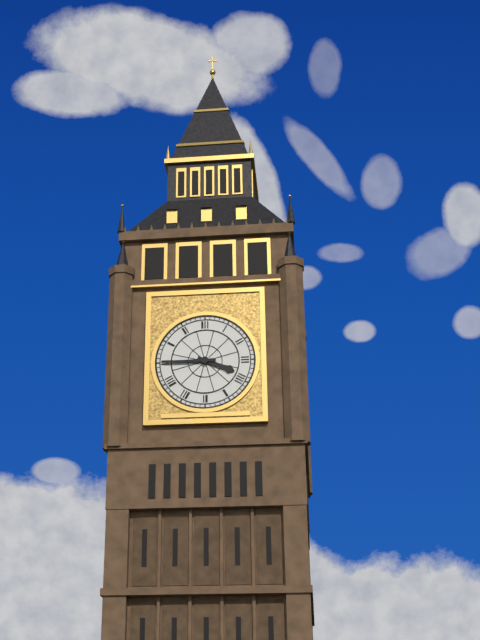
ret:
3.45
